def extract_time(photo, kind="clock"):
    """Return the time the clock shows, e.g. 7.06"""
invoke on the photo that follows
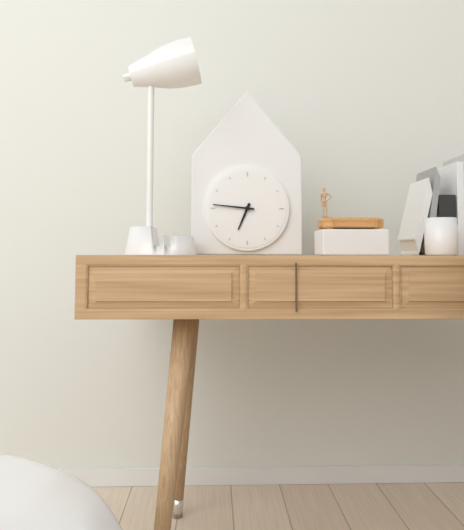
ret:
6.46
